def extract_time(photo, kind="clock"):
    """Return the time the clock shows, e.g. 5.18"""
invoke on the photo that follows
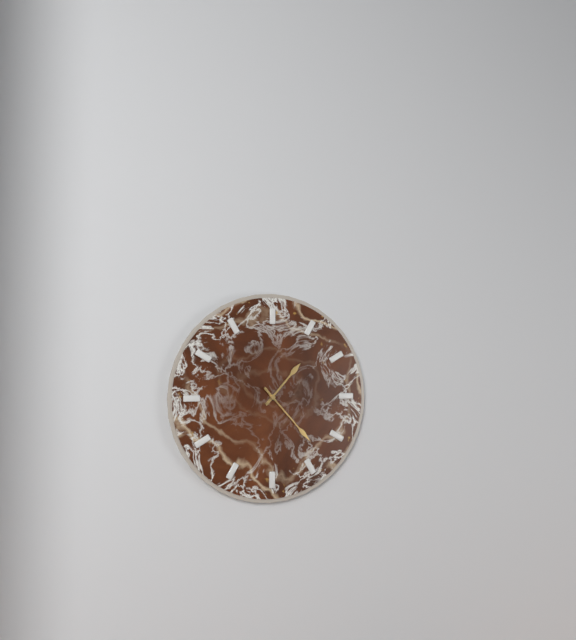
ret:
1.23
